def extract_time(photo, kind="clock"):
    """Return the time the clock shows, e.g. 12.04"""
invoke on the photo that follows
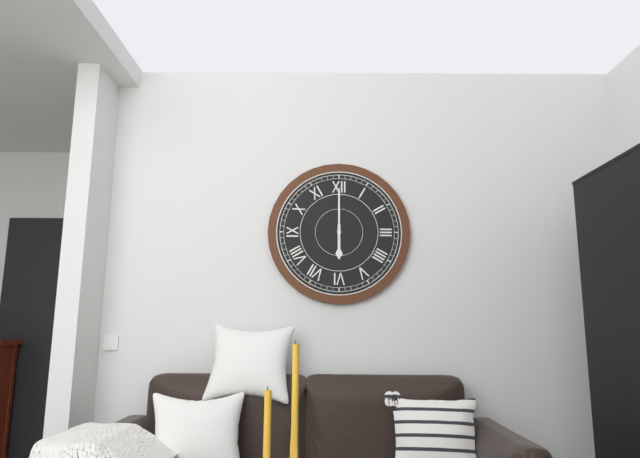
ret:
6.00
